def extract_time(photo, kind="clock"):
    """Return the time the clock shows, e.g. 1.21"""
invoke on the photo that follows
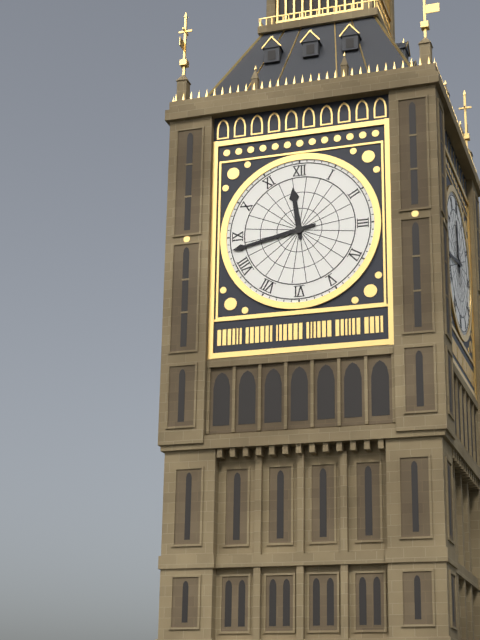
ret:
11.43
